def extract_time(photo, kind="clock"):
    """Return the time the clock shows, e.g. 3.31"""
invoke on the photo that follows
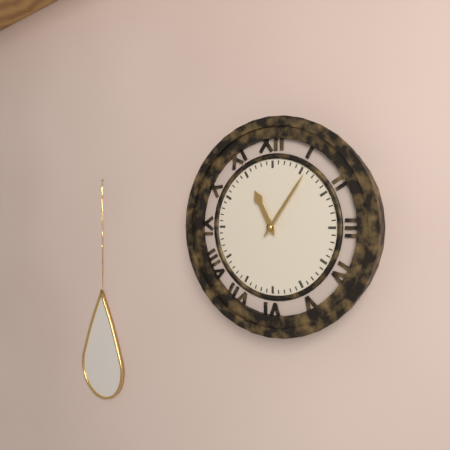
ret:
11.06
